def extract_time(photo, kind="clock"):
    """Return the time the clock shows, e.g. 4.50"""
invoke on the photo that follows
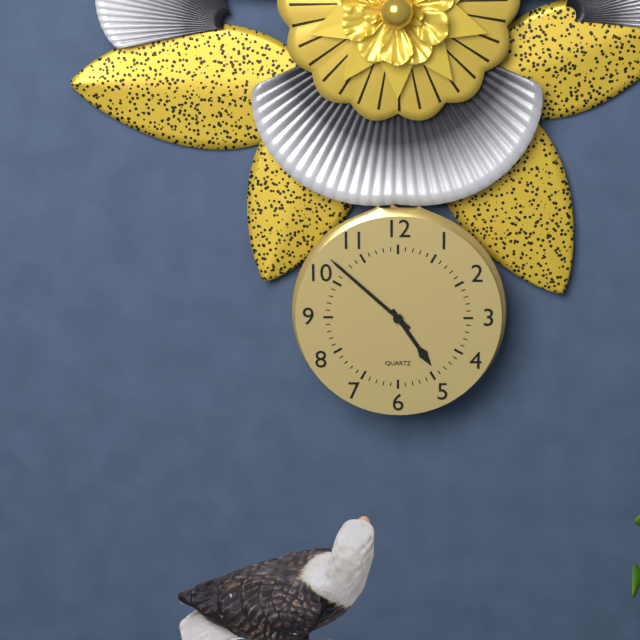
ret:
4.52
